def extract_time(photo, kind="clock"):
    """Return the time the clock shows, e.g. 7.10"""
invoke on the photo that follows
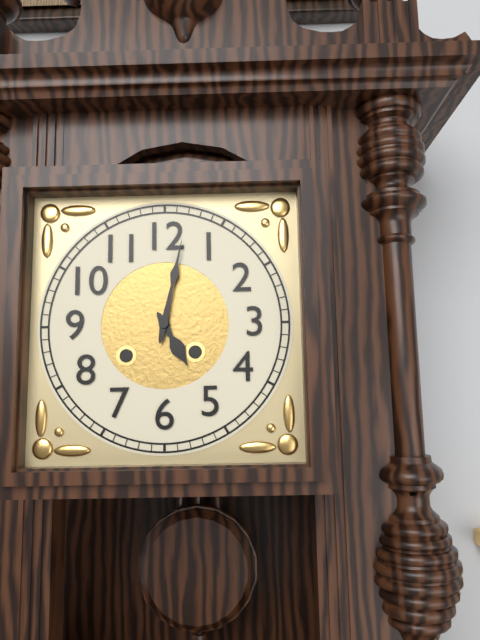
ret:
5.02
